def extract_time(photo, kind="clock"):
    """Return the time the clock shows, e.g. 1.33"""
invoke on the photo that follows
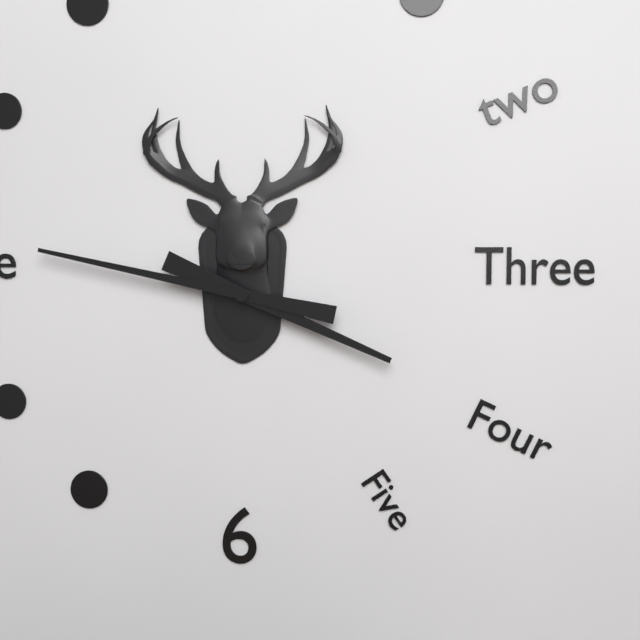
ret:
3.47
